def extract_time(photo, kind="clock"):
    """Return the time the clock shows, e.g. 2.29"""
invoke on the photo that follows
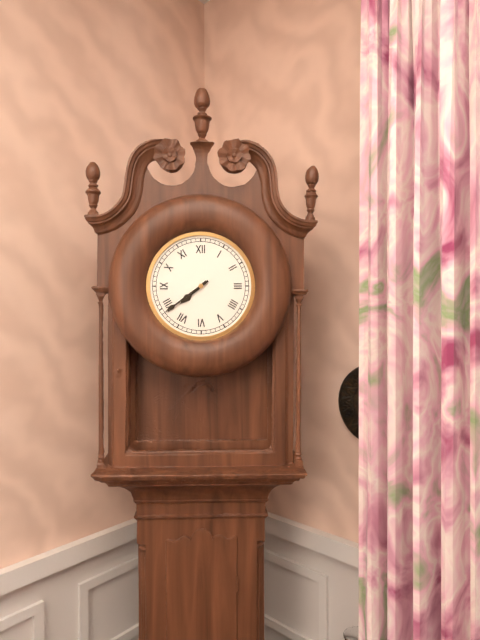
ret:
7.39
